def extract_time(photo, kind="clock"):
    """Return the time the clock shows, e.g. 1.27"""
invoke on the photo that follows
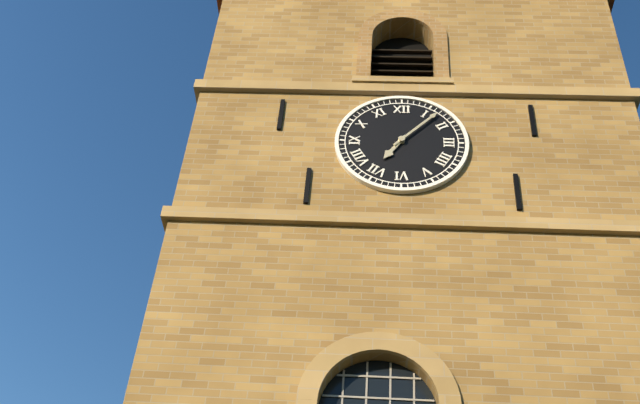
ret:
7.07
